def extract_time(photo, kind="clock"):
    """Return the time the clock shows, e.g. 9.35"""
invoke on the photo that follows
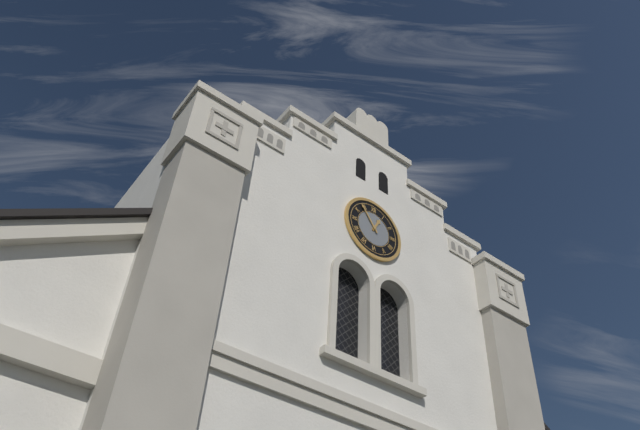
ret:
12.54
